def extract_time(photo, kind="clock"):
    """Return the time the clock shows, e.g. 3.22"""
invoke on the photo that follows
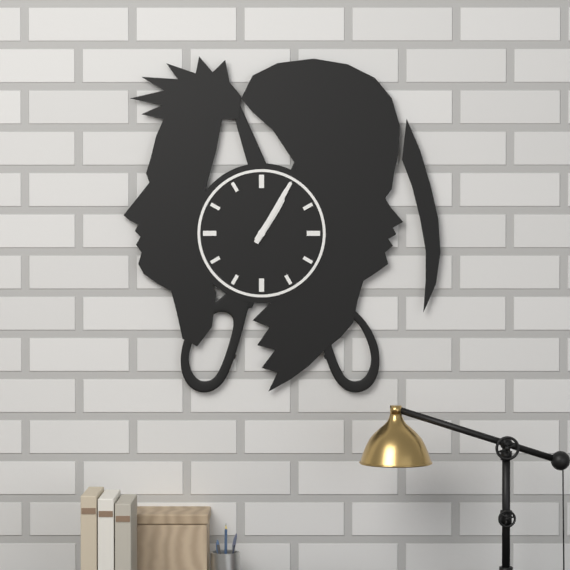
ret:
1.05
